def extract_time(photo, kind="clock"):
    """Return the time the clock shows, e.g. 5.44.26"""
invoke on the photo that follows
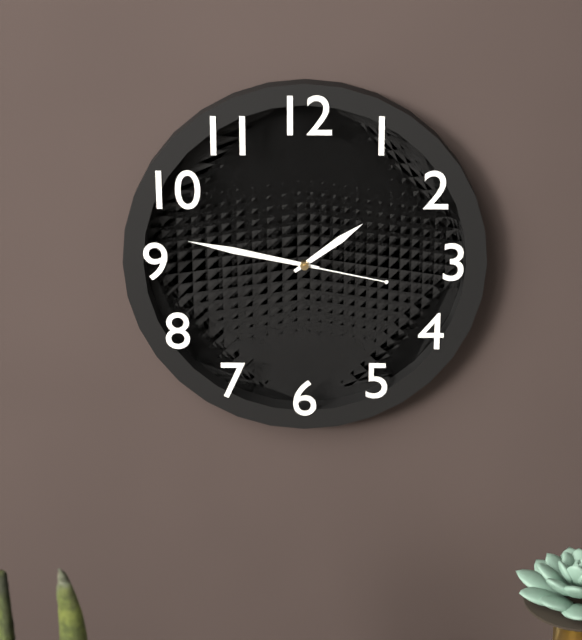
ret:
1.47.17
